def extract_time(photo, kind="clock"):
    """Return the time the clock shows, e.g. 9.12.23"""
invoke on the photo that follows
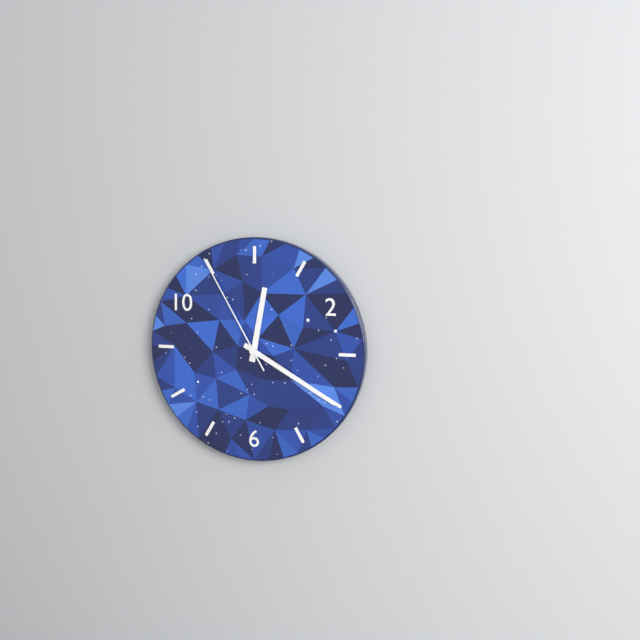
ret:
12.20.55
